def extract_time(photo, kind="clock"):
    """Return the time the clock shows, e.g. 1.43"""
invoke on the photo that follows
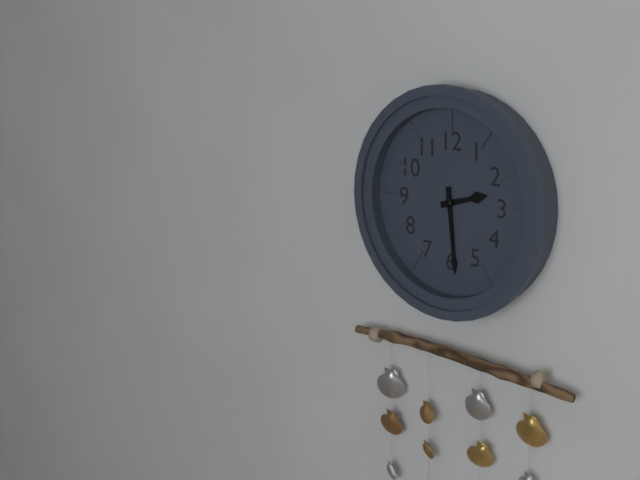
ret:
2.29
